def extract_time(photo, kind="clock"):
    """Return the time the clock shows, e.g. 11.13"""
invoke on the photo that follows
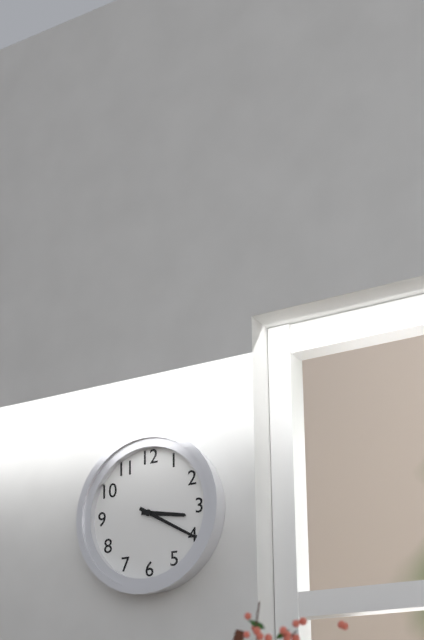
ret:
3.20
